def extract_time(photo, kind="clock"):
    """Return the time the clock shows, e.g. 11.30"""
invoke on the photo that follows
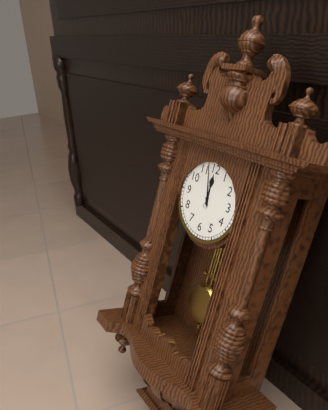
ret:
11.57
